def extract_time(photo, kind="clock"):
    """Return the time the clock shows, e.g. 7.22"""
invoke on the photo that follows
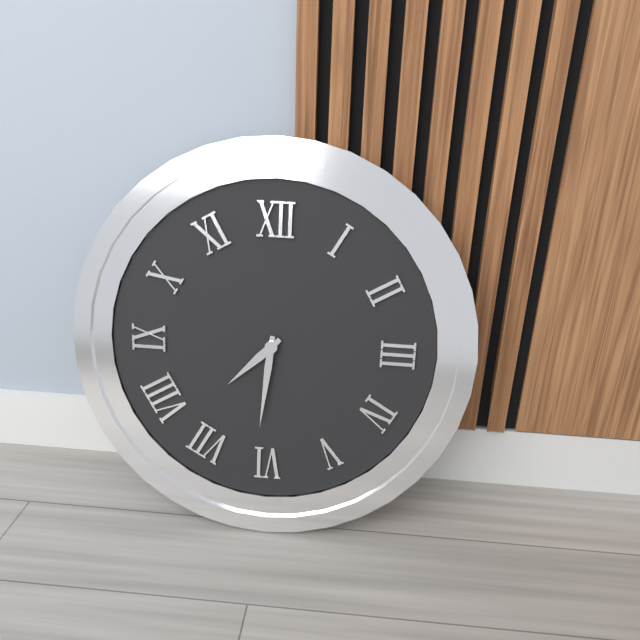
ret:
7.31
